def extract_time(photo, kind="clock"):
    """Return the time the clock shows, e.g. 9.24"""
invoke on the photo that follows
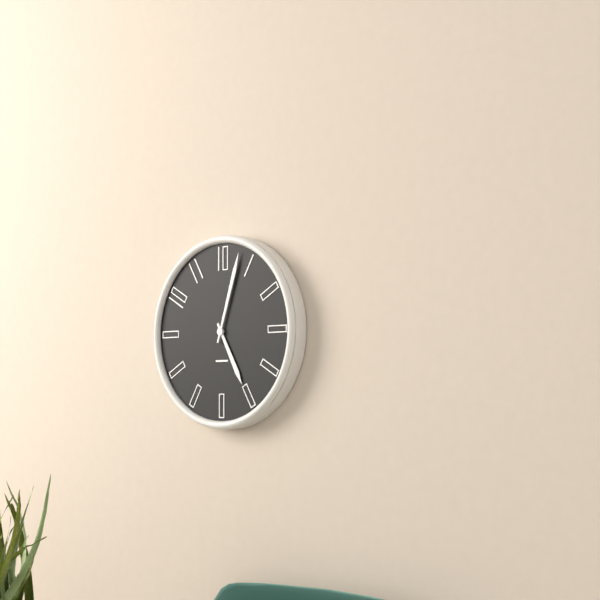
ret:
5.03
